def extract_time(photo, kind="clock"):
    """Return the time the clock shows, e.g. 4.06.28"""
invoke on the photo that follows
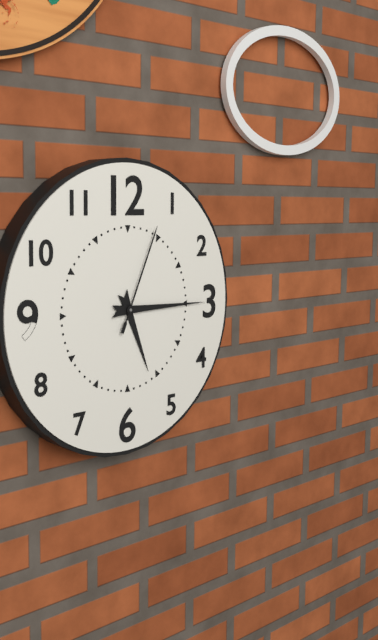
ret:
5.15.04
